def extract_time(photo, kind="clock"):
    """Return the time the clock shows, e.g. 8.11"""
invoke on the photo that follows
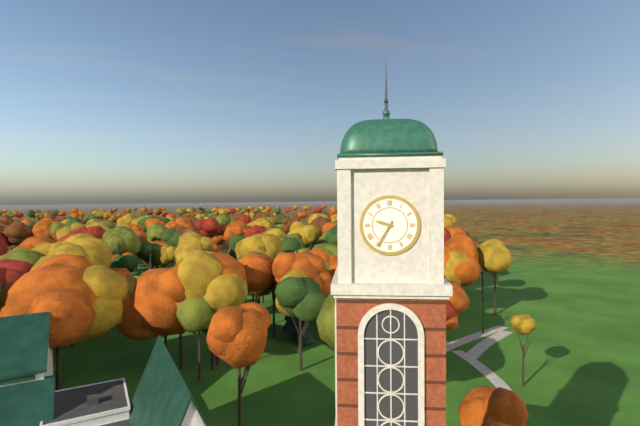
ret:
9.35
